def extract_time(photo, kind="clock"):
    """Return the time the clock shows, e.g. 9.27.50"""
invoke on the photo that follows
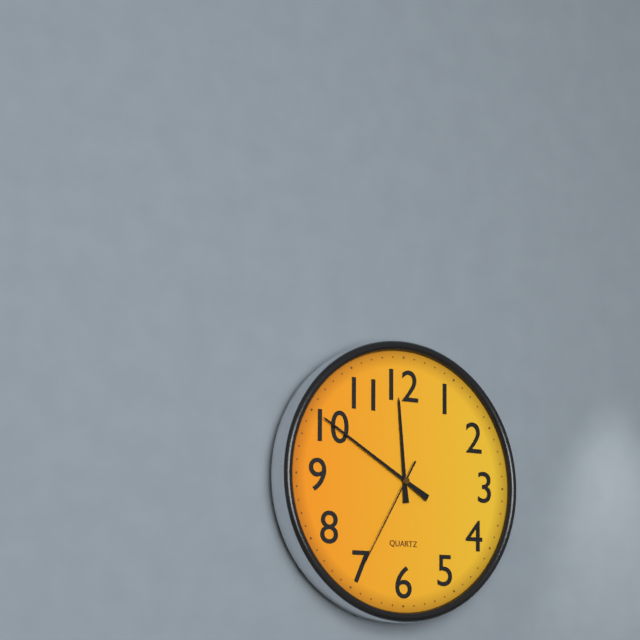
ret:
11.50.35
